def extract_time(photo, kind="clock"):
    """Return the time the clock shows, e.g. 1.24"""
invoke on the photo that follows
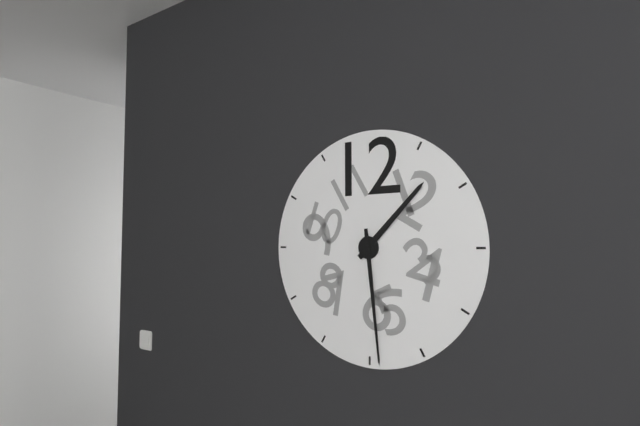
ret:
1.29
